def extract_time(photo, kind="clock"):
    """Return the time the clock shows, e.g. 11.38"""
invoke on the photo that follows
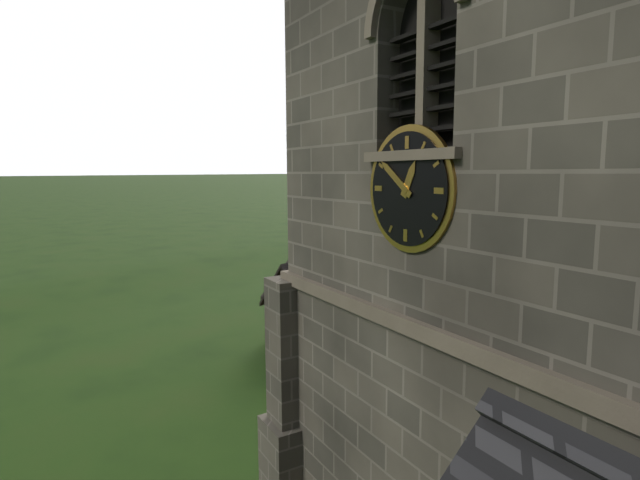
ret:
12.51
